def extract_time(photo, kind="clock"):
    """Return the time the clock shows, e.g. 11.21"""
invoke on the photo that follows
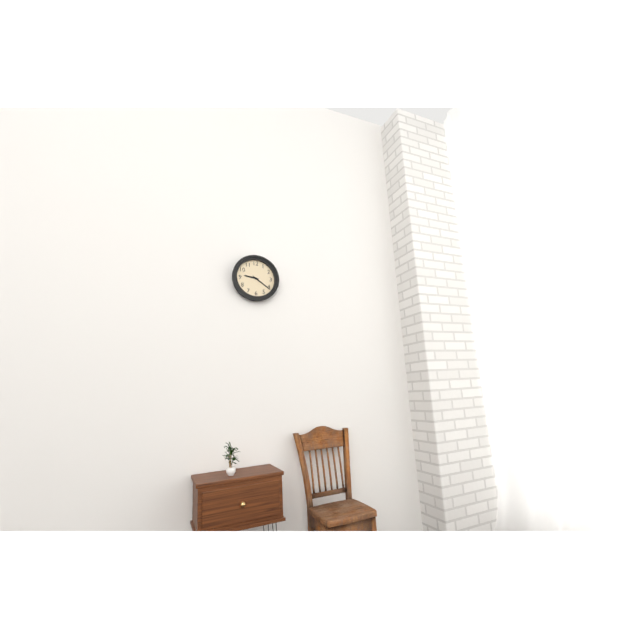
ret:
9.21
